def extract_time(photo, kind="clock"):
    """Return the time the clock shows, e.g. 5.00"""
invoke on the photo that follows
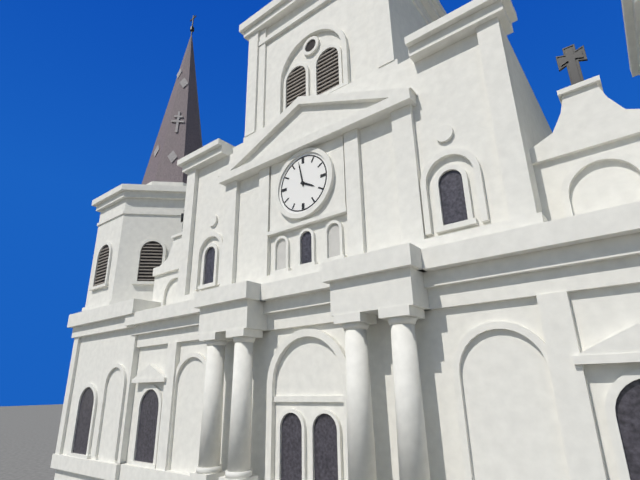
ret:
3.58
